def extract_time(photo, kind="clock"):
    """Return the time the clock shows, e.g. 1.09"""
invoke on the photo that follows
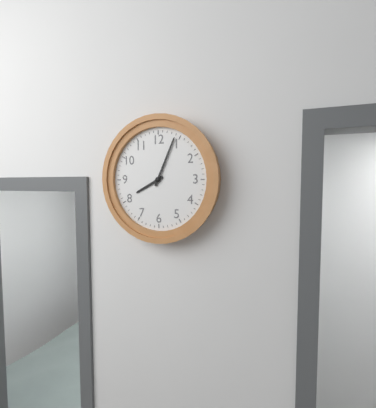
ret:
8.04
